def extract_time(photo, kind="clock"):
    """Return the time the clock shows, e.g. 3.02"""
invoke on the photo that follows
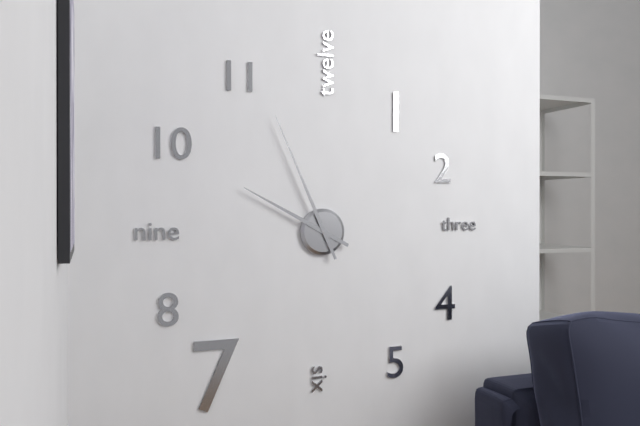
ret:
9.56
